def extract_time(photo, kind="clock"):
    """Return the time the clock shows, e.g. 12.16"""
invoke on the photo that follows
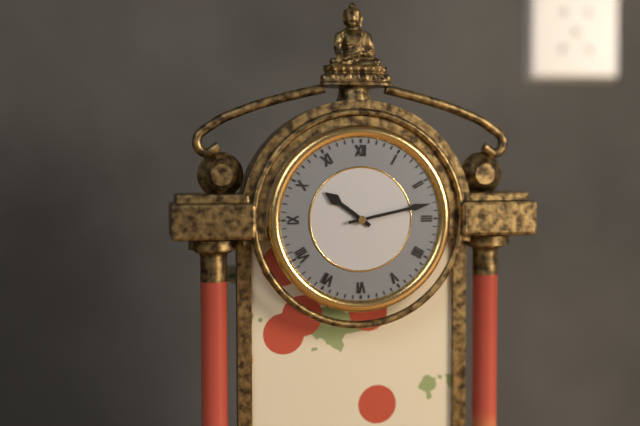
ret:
10.13
